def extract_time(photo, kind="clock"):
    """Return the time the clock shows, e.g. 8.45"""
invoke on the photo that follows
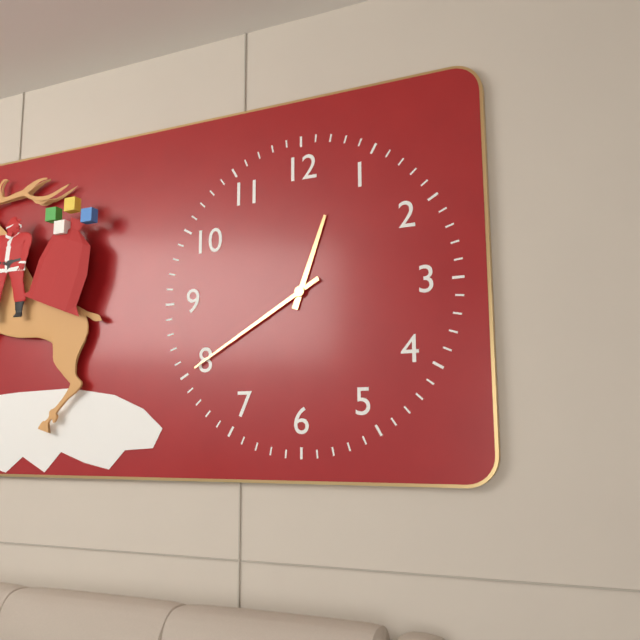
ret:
12.40
